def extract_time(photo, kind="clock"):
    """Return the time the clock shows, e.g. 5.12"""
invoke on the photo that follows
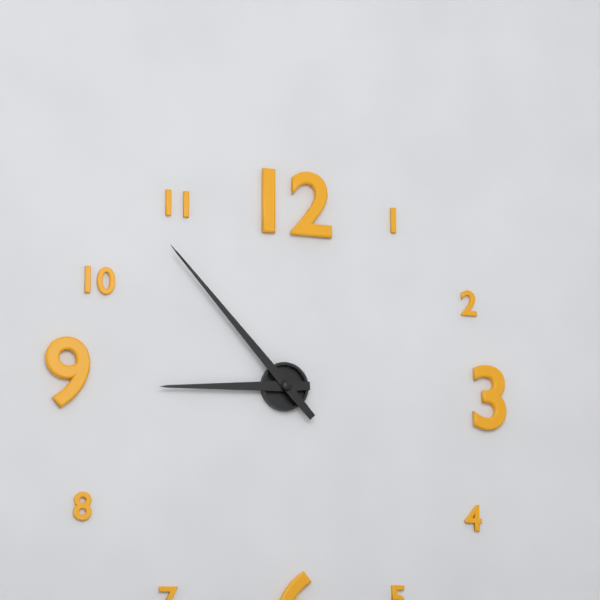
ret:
8.53
